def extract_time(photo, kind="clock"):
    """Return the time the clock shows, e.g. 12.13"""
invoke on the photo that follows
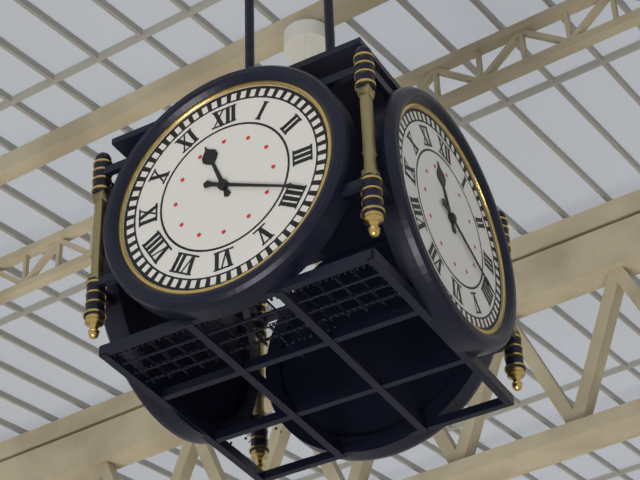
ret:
11.19
